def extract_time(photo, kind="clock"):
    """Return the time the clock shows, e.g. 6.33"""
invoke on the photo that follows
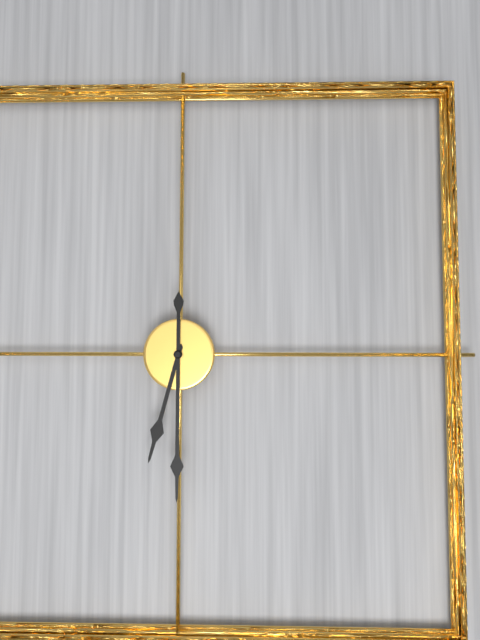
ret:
6.30
